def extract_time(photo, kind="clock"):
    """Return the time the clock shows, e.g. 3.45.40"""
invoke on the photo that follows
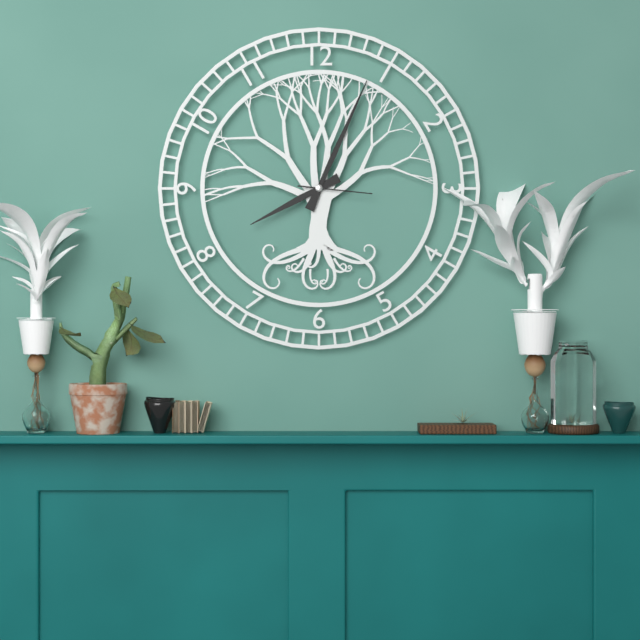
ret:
8.04.16
